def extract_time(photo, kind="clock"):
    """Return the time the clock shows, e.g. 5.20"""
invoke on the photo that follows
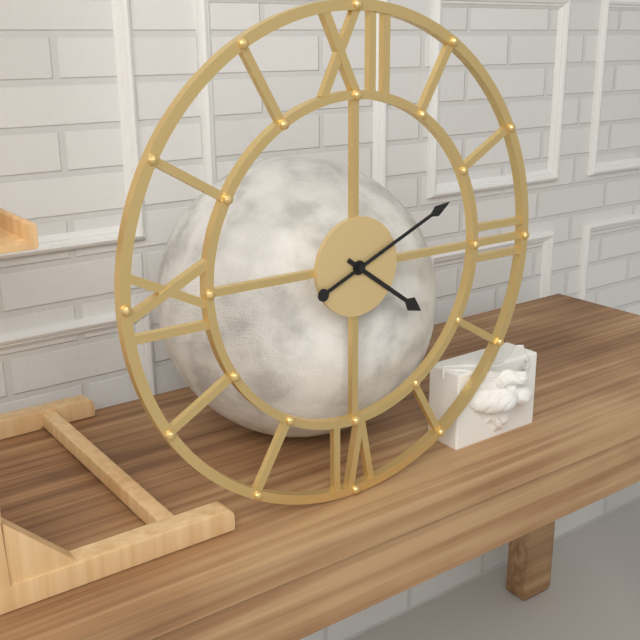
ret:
4.11
